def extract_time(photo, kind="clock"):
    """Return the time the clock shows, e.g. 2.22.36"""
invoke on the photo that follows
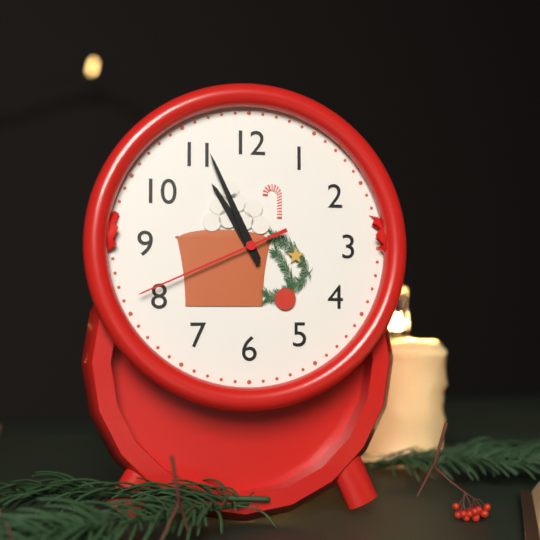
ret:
10.56.41
